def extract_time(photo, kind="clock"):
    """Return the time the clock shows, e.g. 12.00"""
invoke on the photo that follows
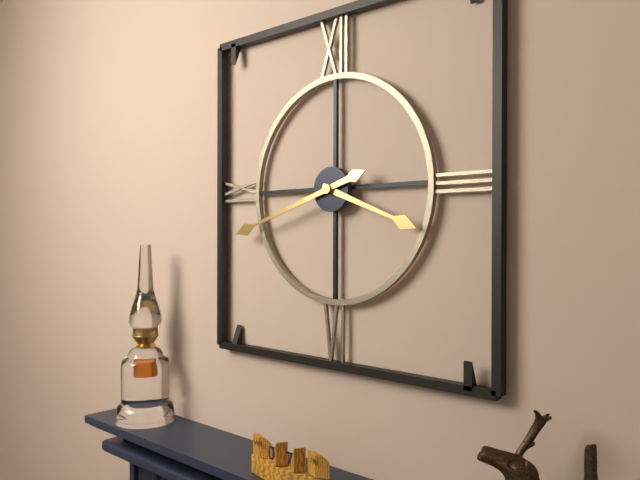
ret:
3.42
